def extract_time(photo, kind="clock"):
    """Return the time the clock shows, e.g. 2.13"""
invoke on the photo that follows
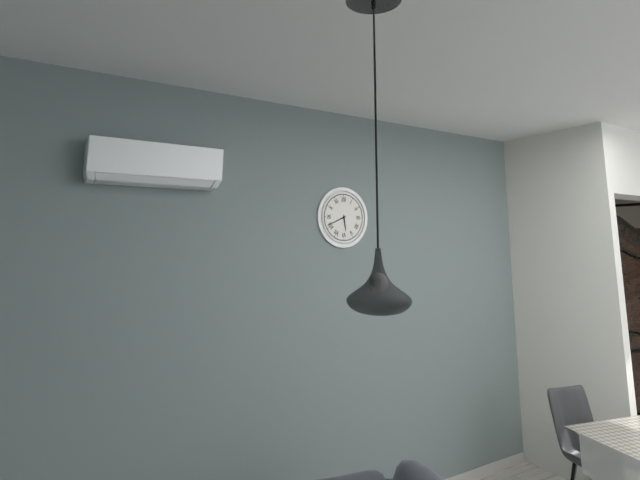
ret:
5.41
